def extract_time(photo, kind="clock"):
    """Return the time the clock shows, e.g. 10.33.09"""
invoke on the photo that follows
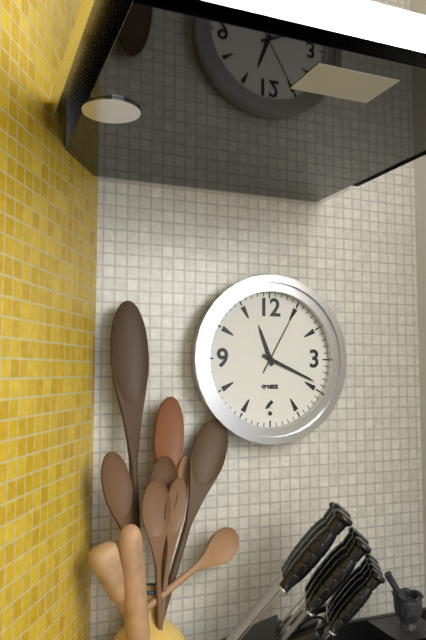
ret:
11.19.05
